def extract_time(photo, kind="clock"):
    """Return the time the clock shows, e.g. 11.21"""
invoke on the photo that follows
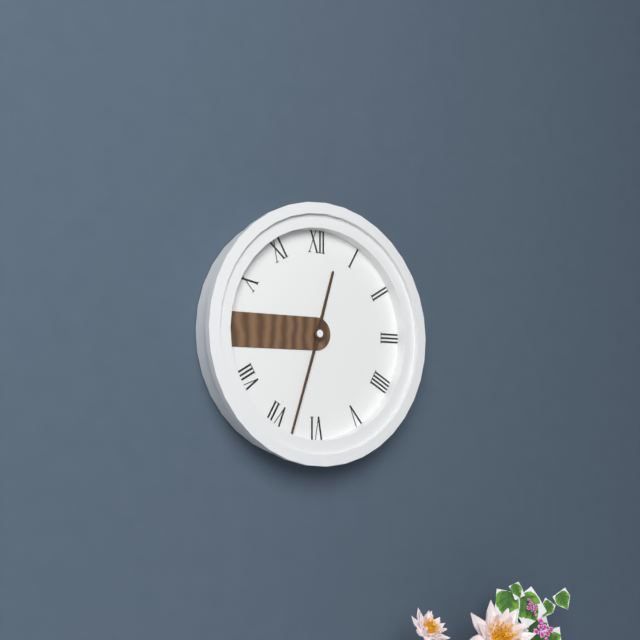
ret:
12.33
